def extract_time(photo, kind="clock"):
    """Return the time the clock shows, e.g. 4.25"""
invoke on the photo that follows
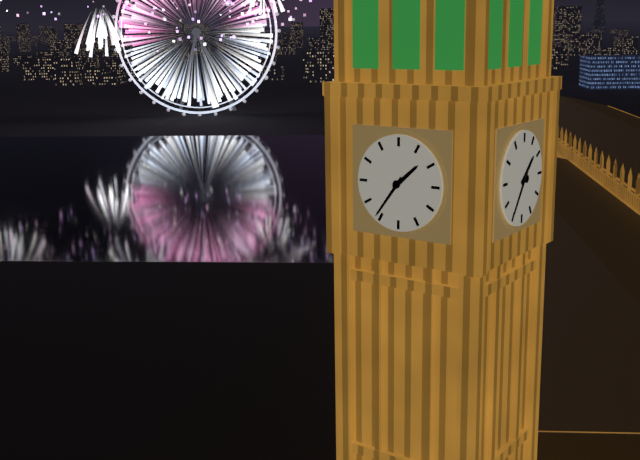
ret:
1.36
